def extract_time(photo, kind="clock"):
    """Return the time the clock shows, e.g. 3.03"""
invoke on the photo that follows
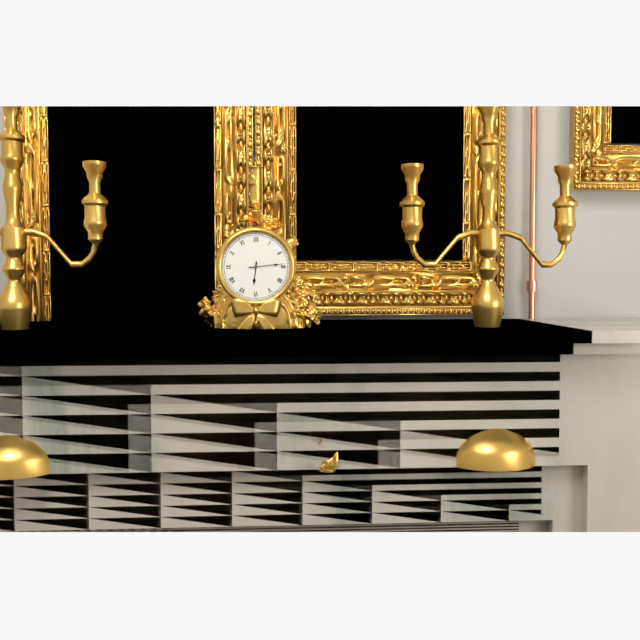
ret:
6.14
